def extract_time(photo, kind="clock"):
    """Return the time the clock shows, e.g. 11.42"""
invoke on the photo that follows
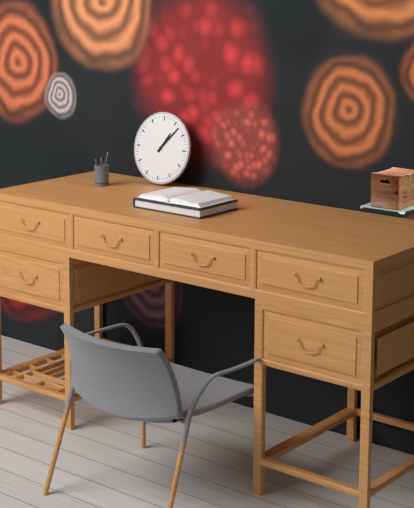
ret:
1.07
